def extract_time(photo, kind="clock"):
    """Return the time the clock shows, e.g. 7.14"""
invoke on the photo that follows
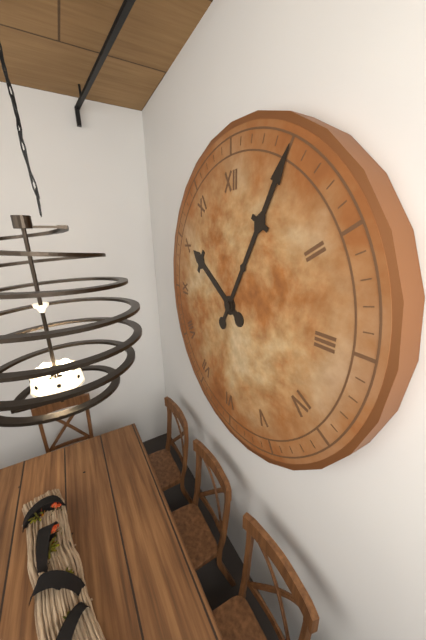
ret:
10.05
